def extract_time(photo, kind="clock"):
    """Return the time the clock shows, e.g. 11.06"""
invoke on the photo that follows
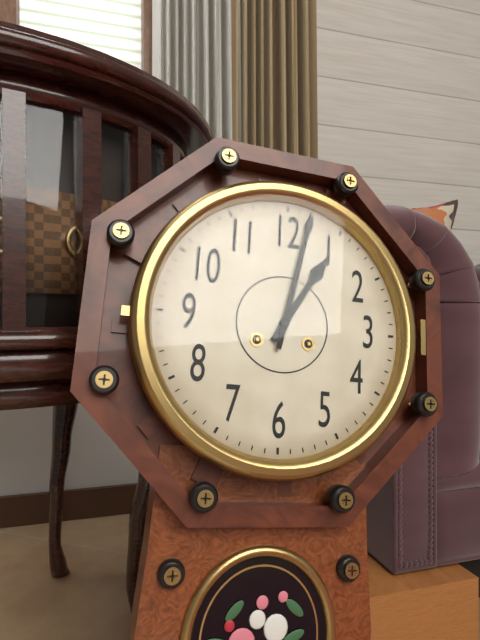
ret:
1.02
